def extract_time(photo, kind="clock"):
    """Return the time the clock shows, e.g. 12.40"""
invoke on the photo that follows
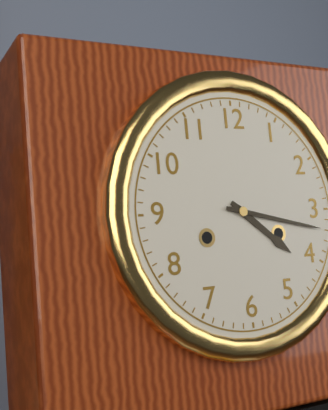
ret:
4.17
